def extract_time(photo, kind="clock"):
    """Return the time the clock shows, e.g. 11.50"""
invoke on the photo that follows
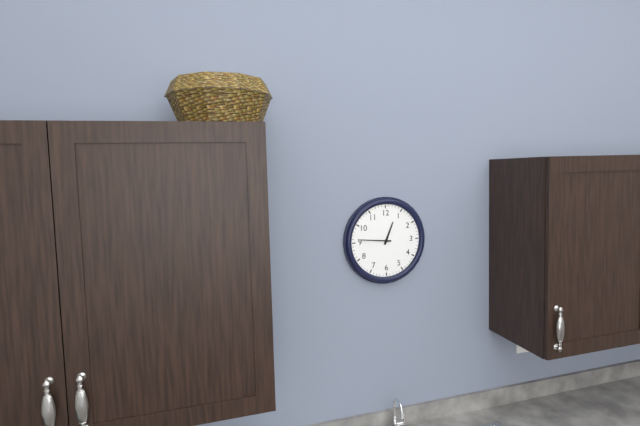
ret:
12.46
